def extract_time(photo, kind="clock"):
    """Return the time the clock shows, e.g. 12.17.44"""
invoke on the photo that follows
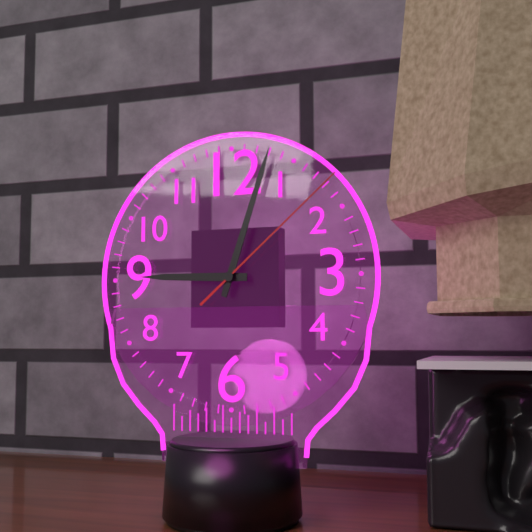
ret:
9.03.08
